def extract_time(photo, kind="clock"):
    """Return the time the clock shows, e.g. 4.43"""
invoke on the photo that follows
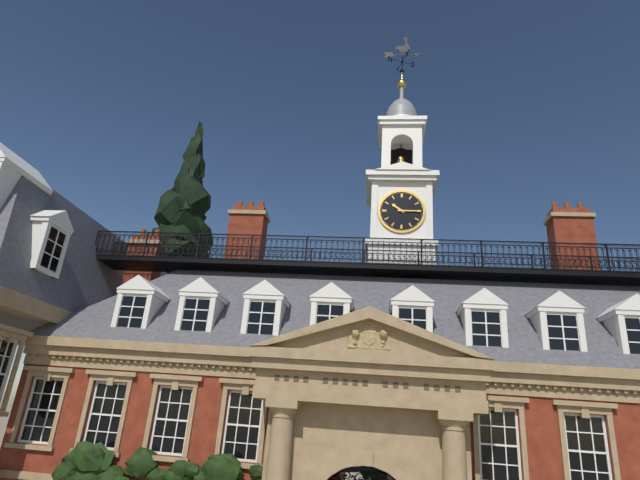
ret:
10.15
